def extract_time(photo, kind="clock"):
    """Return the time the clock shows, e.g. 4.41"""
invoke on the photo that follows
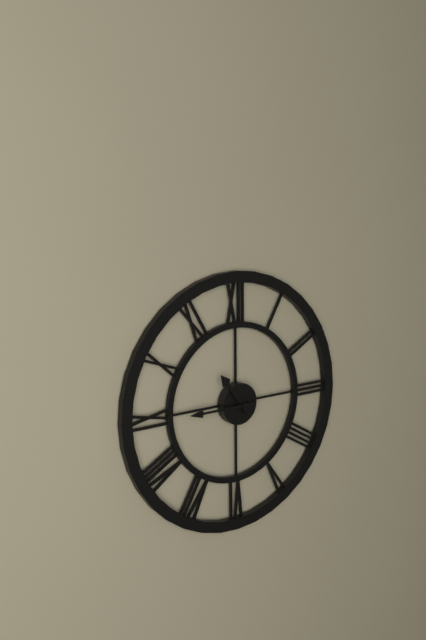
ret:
10.45
